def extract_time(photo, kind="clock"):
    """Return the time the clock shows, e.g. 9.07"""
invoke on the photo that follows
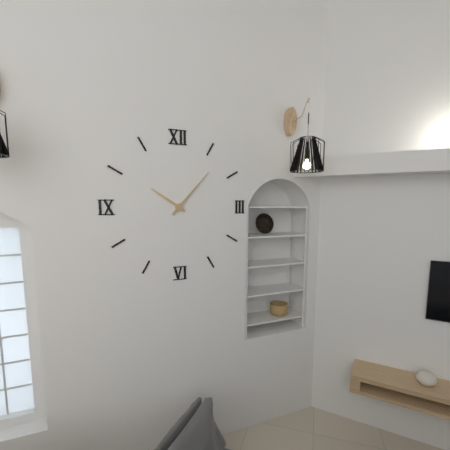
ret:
10.07
